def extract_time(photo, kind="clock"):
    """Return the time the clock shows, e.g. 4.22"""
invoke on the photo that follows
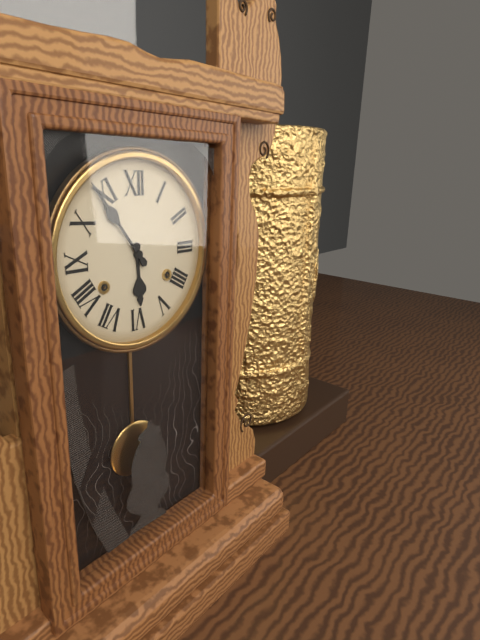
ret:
5.54
